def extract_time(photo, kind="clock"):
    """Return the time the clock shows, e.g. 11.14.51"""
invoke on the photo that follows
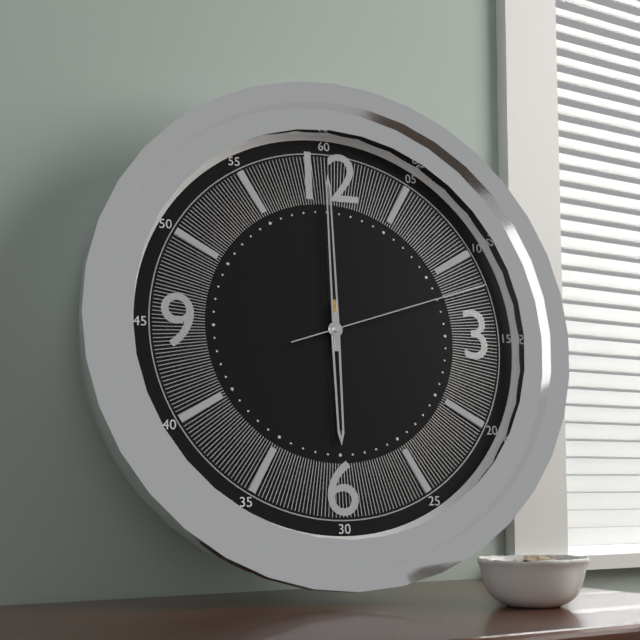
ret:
6.00.12
